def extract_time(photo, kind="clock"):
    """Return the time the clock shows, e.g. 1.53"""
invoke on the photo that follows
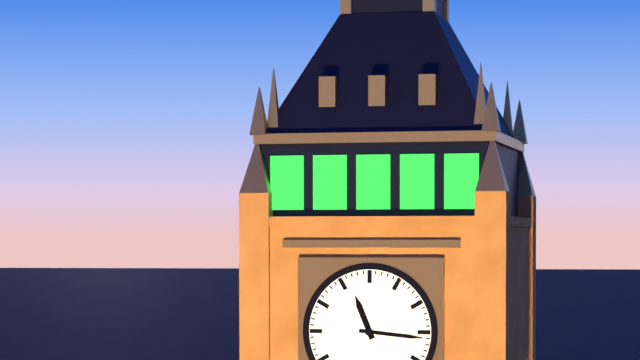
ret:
11.16
